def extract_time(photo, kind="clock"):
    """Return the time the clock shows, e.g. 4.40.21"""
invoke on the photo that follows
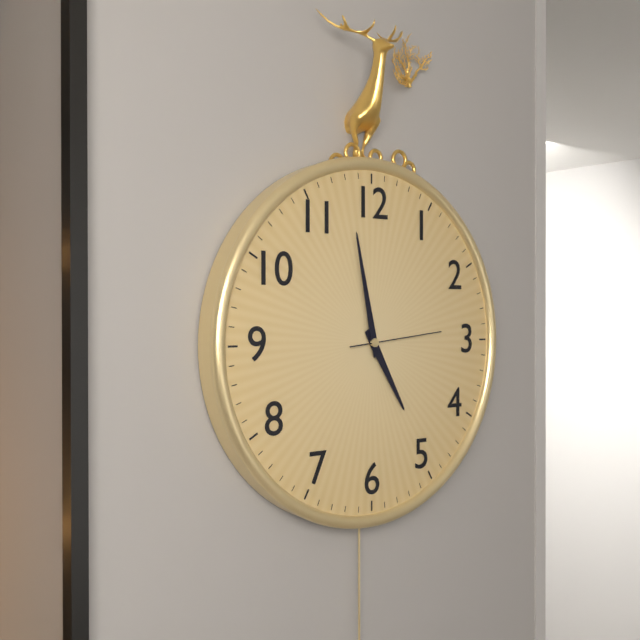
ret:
4.58.14
